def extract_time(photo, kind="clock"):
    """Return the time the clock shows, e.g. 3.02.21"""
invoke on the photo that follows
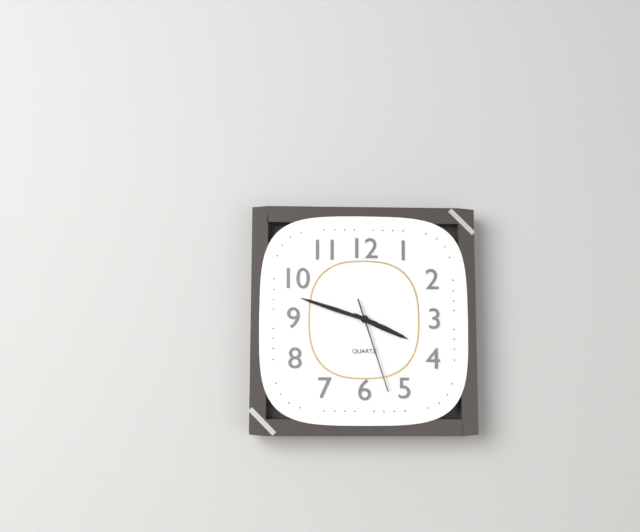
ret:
3.48.27
